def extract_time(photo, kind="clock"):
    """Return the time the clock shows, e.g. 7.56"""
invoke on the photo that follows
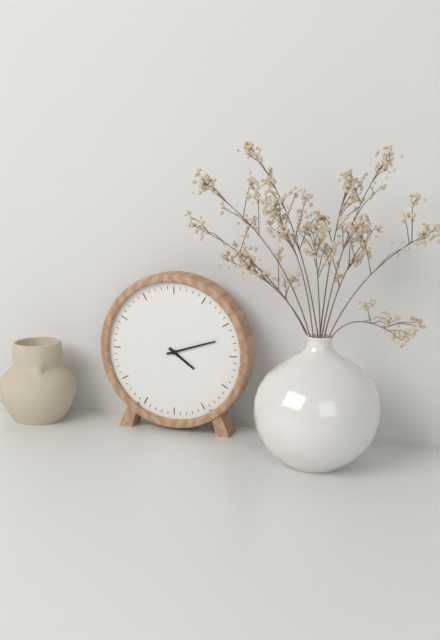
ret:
4.12
